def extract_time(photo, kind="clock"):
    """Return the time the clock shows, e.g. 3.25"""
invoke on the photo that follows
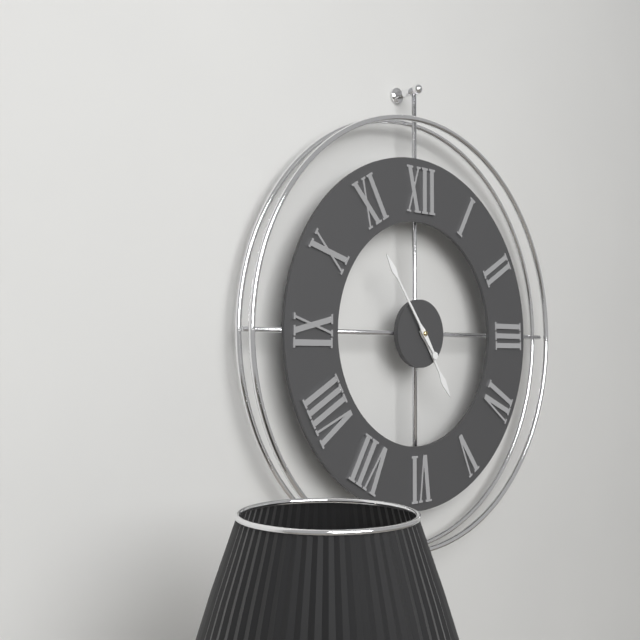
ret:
4.54
